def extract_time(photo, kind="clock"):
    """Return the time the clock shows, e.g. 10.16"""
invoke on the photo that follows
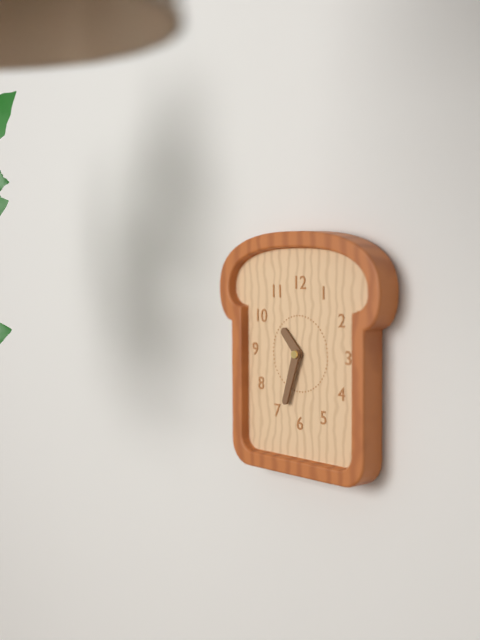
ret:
10.33
